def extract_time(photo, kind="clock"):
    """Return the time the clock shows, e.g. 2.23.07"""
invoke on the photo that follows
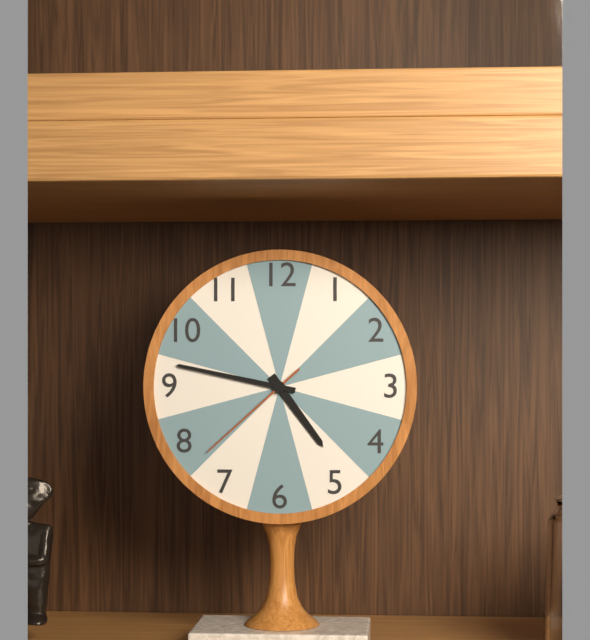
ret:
4.47.38
